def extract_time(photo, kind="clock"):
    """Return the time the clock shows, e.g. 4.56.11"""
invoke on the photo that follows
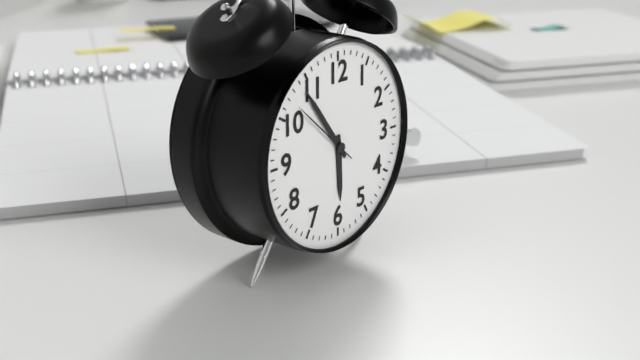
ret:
5.54.52
